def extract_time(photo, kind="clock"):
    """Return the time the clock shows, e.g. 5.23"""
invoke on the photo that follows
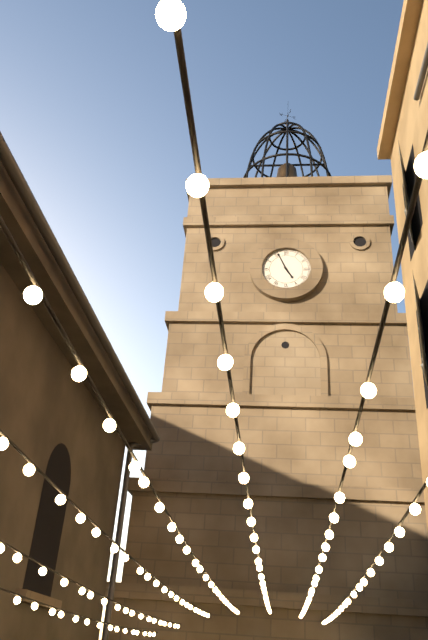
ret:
4.56
